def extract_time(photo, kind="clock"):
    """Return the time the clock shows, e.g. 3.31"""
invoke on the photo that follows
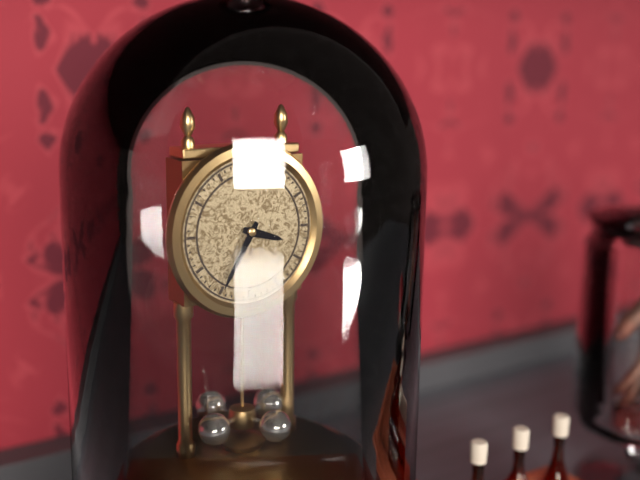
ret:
3.35
